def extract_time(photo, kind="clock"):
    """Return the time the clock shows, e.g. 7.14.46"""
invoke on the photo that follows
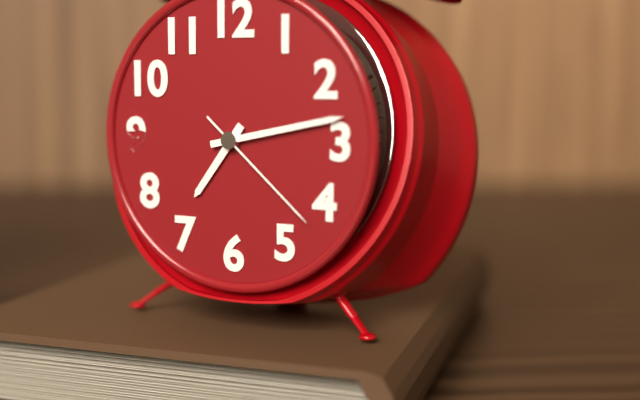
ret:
7.13.22
